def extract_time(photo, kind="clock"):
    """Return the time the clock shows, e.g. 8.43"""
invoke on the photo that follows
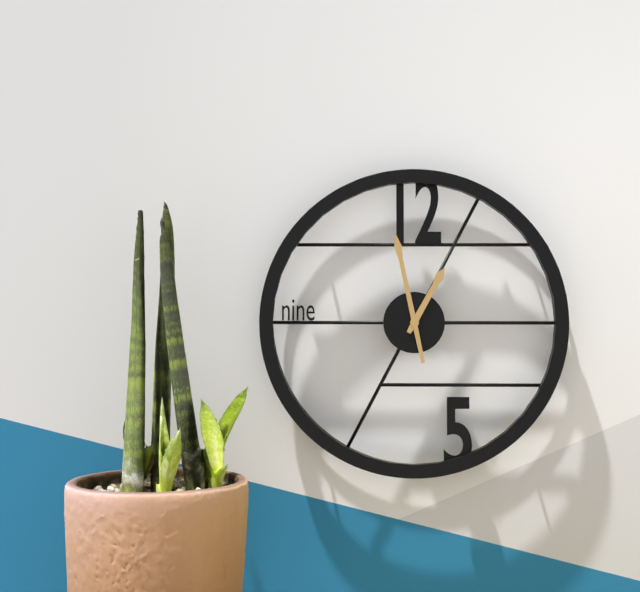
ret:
12.58
